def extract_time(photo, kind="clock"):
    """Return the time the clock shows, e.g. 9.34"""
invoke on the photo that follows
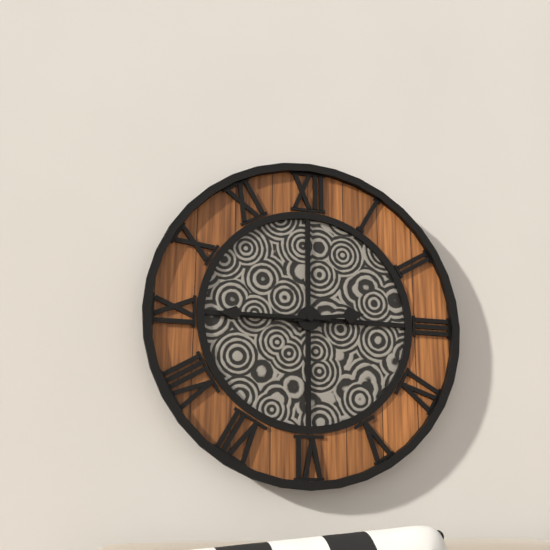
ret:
2.45
